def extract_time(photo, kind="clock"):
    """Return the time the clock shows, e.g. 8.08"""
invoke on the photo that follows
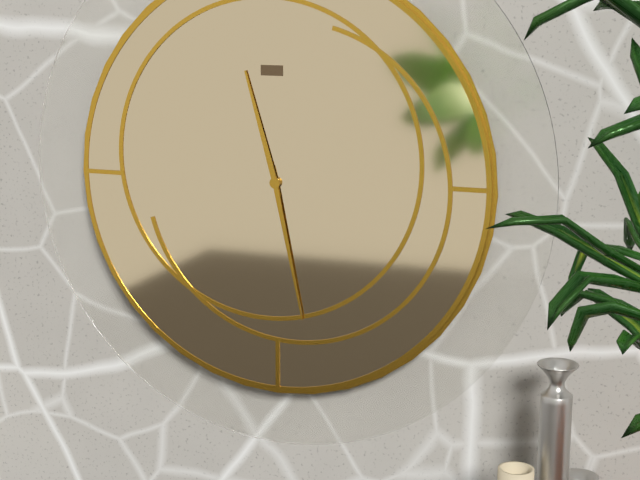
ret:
11.28
